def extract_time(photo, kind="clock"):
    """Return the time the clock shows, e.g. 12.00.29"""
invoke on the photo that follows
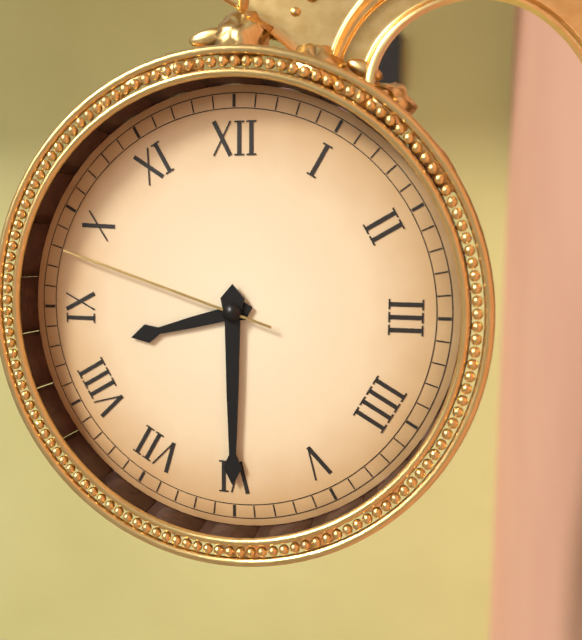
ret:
8.30.48
